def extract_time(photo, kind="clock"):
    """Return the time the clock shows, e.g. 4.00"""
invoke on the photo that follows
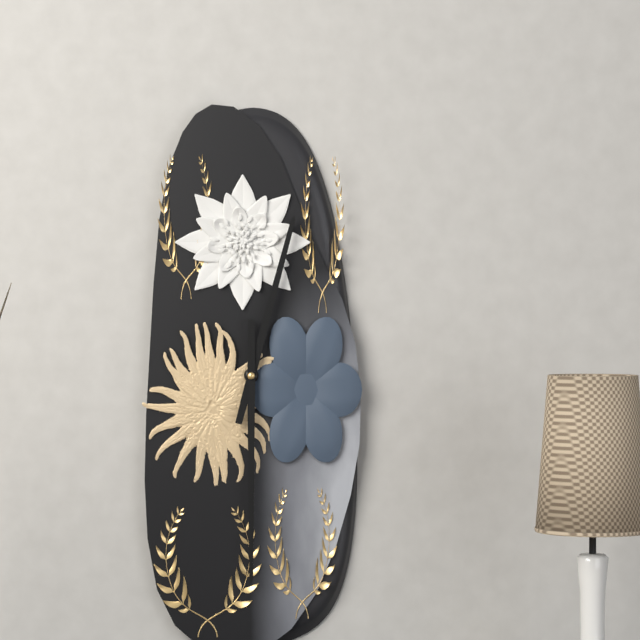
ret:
12.30
